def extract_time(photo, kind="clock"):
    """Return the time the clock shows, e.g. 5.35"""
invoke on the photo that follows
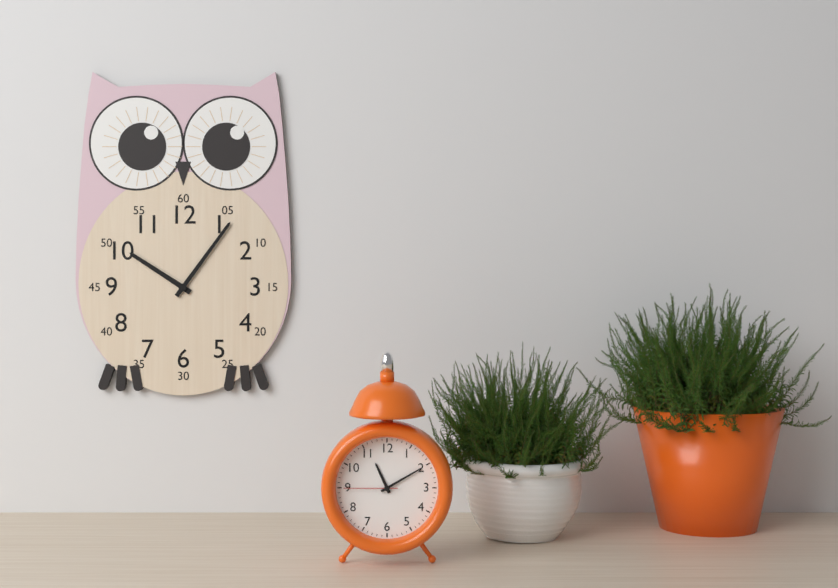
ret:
10.06
